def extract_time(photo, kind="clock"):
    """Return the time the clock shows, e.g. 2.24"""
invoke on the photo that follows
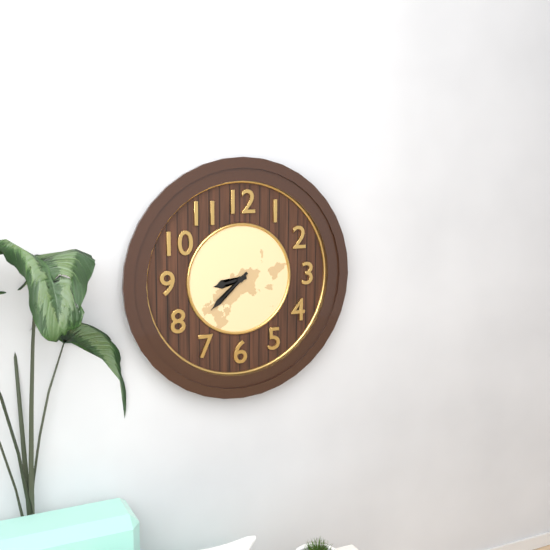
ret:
8.38
